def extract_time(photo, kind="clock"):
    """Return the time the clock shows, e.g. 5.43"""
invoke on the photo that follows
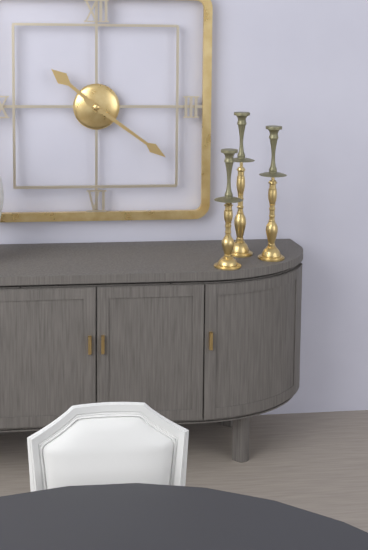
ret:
10.21
